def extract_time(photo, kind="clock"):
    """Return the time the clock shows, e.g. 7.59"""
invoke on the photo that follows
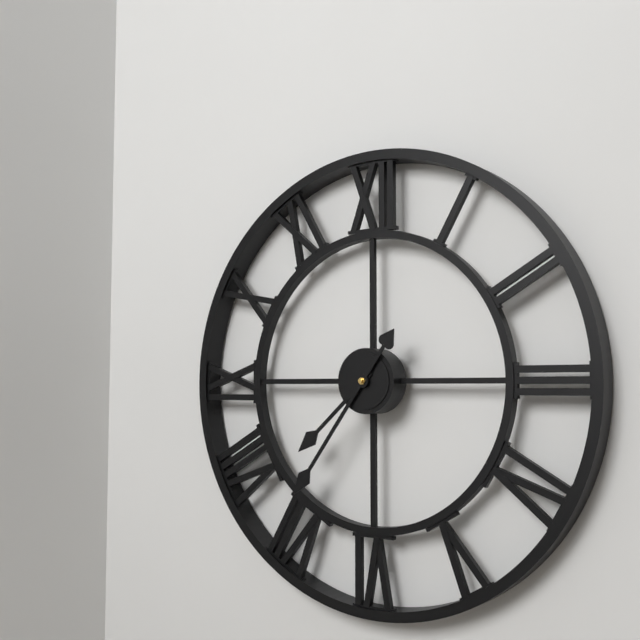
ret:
7.36
